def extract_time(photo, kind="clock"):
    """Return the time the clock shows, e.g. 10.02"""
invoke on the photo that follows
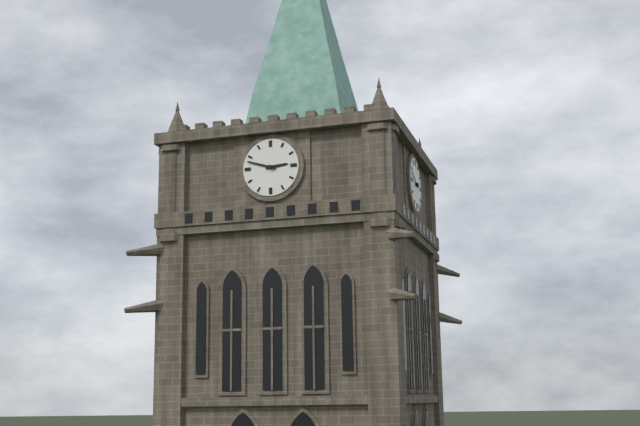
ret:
2.48
